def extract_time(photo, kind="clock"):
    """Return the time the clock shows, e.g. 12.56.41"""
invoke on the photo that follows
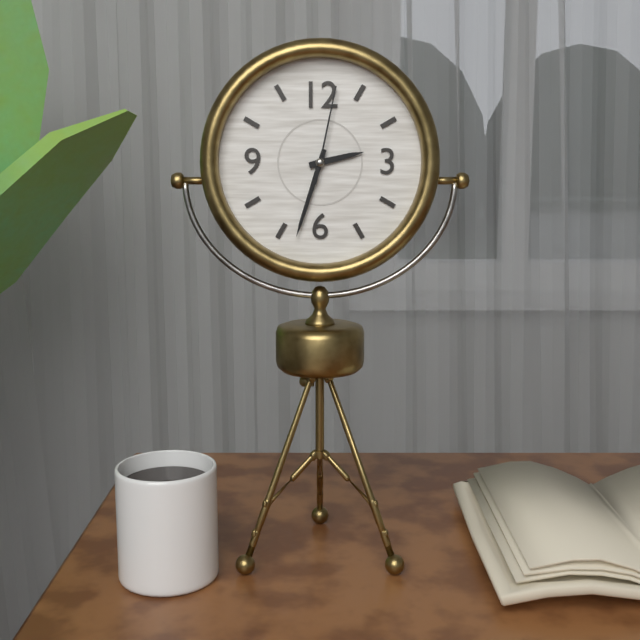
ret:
2.33.02
